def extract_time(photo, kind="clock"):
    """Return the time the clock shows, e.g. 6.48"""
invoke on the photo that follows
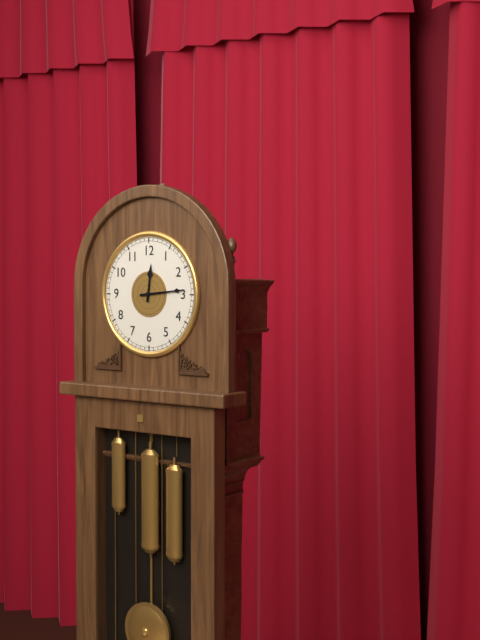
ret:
12.14
